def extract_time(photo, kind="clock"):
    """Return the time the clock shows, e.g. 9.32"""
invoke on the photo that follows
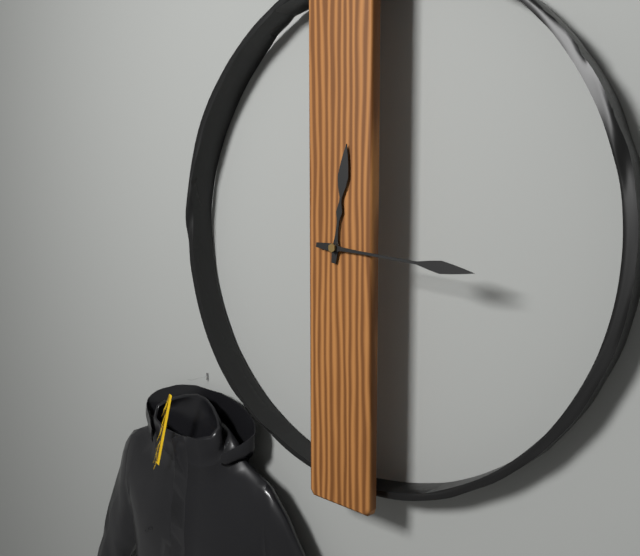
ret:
12.16
